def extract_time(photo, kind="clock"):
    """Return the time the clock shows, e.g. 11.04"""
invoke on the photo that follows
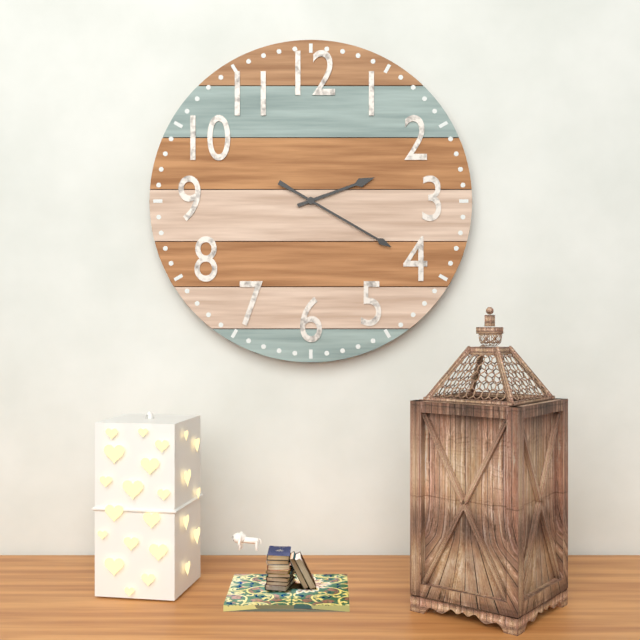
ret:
2.20
